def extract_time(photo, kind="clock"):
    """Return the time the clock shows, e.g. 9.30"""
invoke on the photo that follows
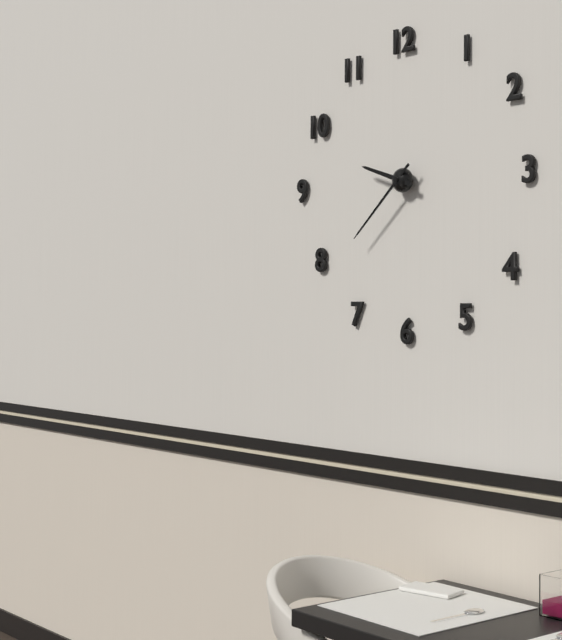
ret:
9.38
